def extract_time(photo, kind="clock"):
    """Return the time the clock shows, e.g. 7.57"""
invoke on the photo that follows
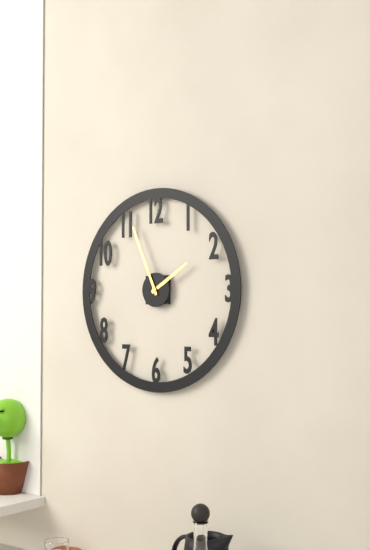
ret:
1.56
